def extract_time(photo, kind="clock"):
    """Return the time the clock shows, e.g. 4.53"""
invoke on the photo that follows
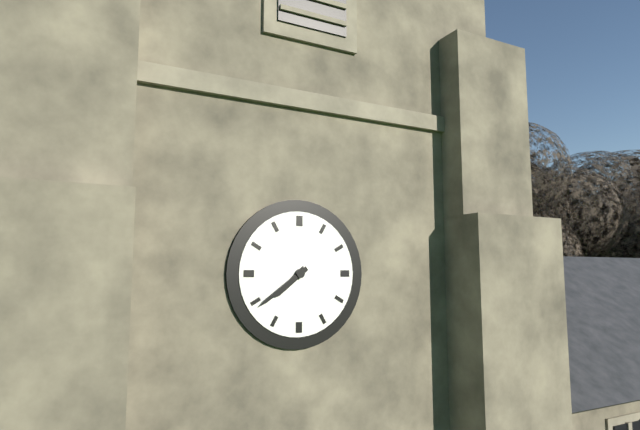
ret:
7.39
